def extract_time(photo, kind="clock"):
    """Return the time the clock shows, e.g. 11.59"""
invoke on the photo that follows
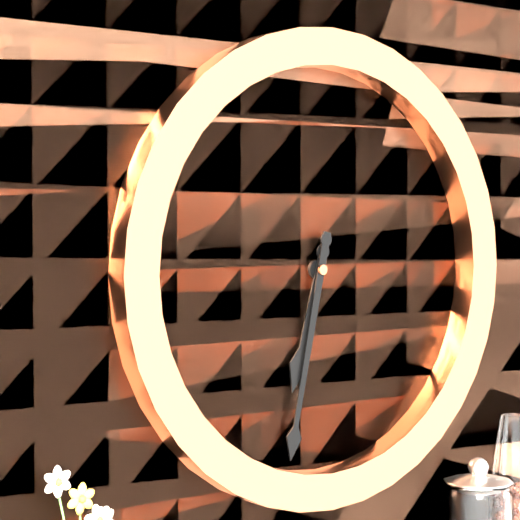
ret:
6.32
